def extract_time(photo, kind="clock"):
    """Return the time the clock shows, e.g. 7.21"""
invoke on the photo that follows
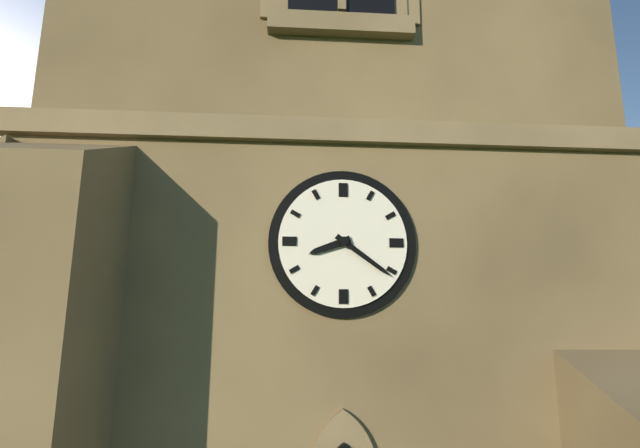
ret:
8.21
